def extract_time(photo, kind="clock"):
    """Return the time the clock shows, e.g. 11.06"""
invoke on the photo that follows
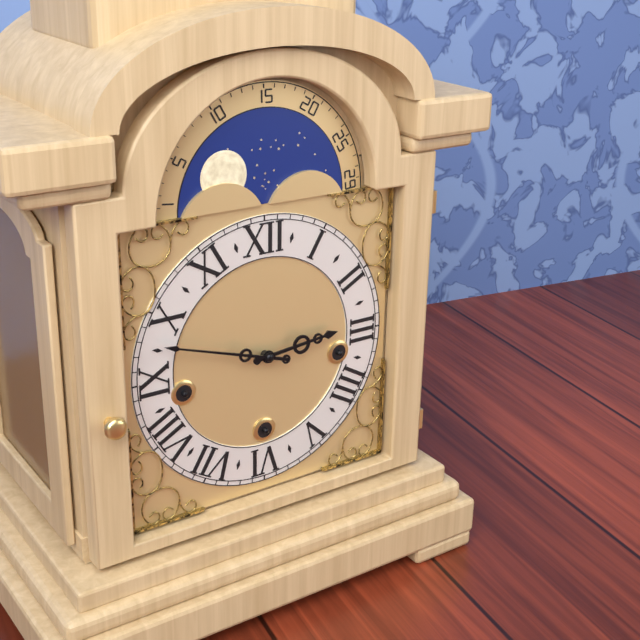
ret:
2.48
